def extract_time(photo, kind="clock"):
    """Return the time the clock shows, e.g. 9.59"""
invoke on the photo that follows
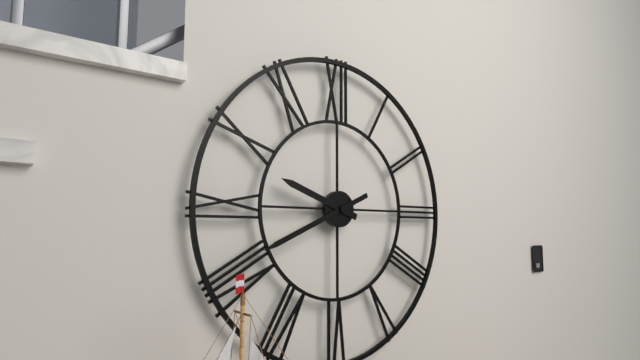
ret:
9.41
